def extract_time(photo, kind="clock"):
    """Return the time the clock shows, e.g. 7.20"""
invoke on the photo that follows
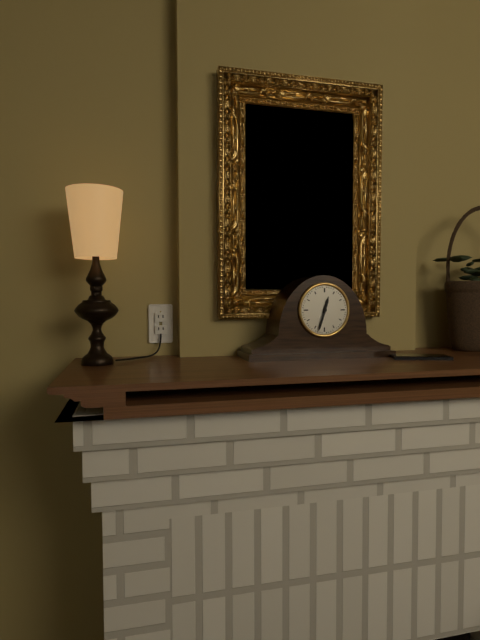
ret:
12.33
